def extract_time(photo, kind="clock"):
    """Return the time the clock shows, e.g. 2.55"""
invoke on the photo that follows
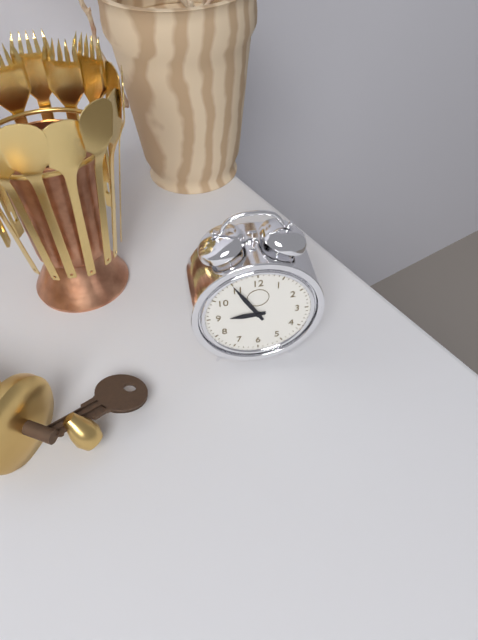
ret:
8.55
